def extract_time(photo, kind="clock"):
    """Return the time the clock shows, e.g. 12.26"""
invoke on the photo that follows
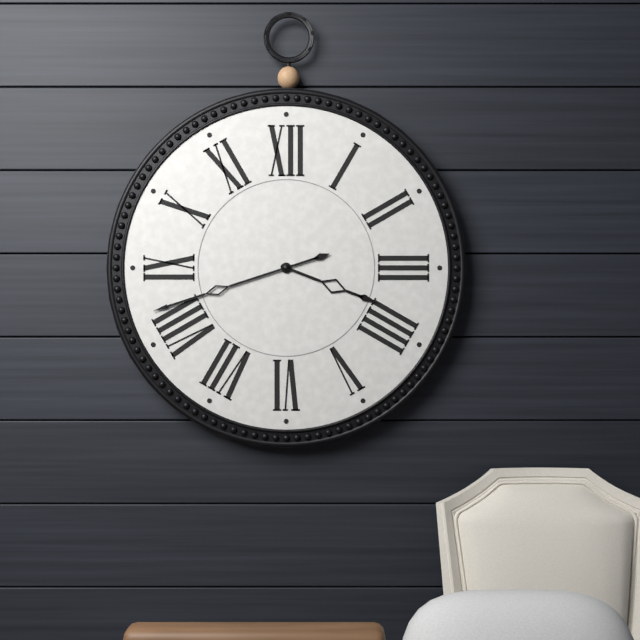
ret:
3.42
